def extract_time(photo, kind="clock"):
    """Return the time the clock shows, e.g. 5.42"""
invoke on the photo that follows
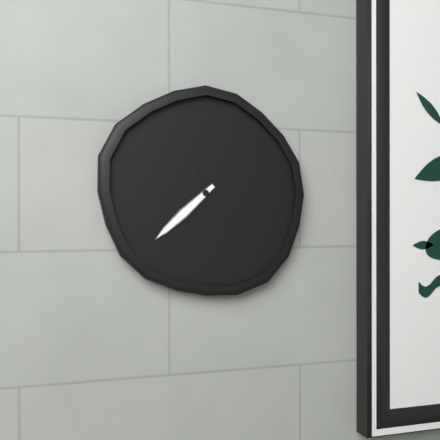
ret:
11.38
